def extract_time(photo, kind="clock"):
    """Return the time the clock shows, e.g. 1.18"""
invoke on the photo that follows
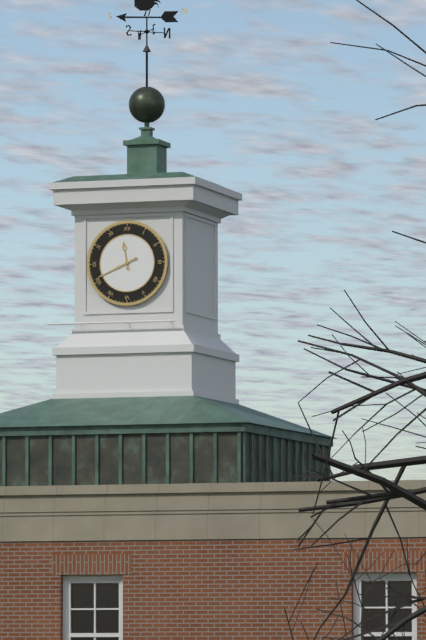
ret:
11.41
